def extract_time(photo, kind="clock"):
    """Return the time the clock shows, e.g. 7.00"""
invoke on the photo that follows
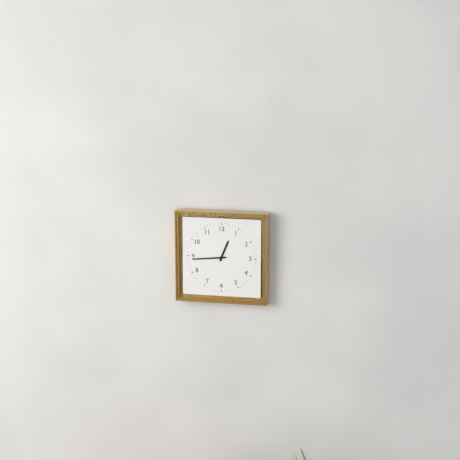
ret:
12.44
